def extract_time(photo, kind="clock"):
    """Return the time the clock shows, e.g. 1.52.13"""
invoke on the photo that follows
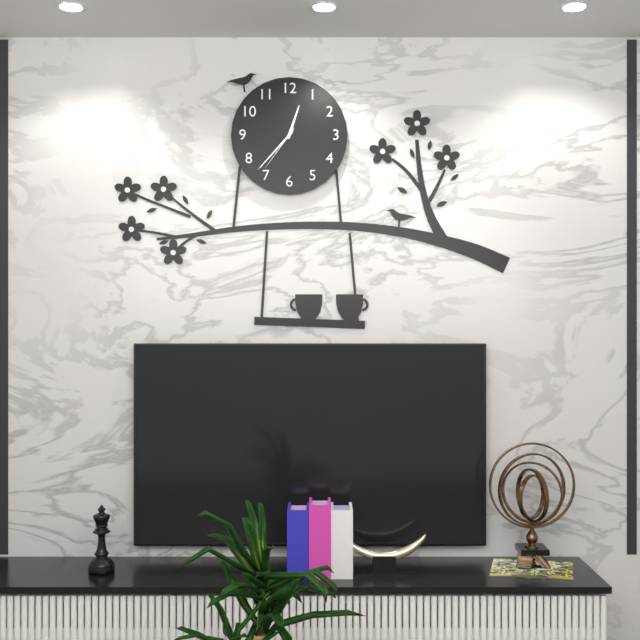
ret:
12.37.36
